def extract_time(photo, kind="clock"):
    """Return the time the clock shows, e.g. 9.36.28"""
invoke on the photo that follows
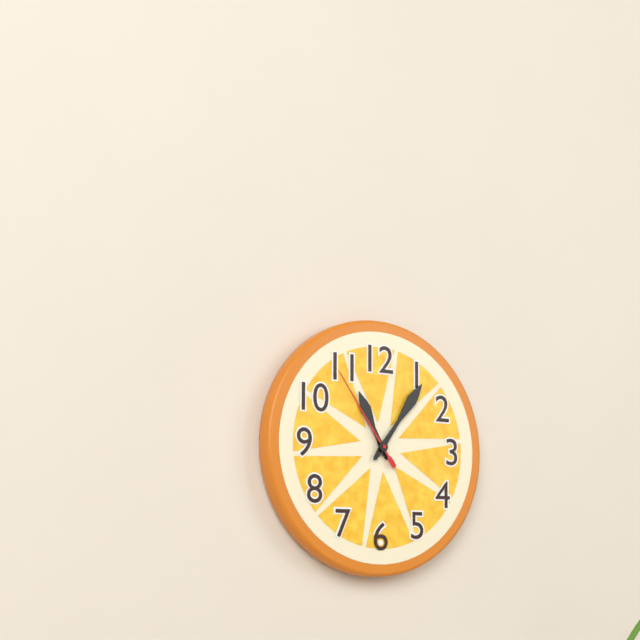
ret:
11.06.54
